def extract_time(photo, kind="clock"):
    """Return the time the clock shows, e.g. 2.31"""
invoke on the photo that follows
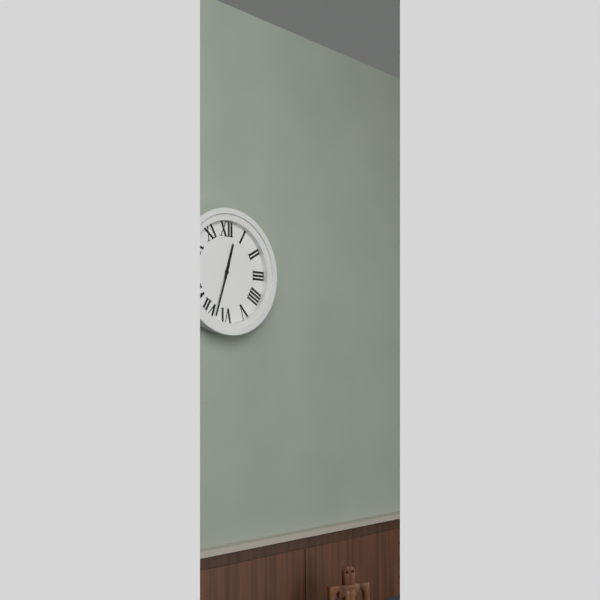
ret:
12.33
